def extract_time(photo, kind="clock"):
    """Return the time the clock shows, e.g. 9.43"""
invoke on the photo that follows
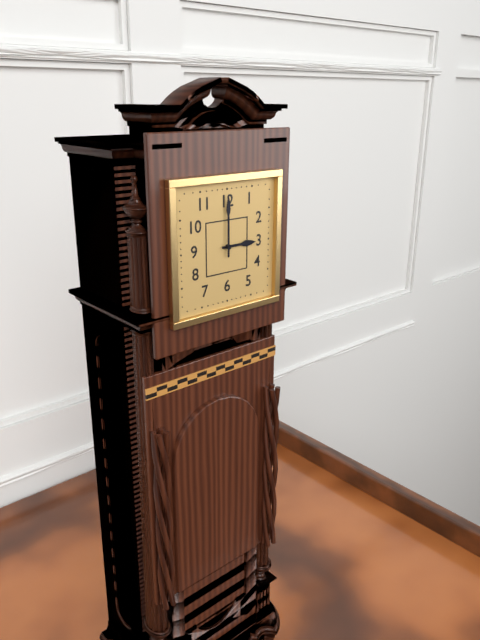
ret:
3.00
